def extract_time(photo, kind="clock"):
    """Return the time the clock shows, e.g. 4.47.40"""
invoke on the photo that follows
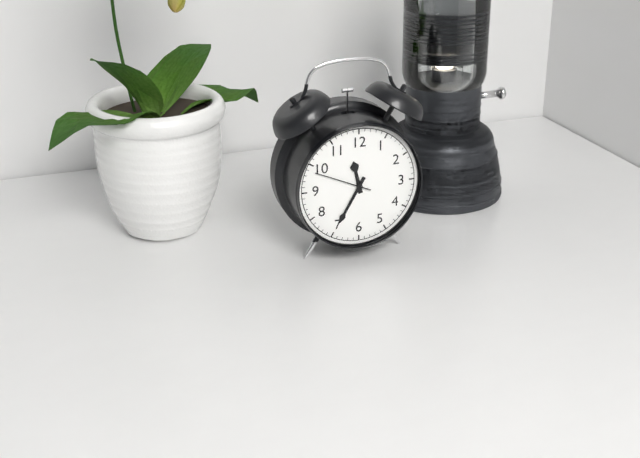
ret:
11.35.49
